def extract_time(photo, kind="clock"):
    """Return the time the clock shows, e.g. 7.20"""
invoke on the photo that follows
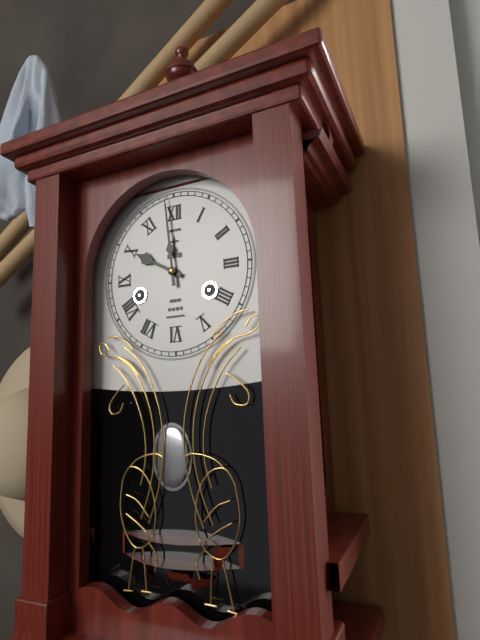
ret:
9.59
